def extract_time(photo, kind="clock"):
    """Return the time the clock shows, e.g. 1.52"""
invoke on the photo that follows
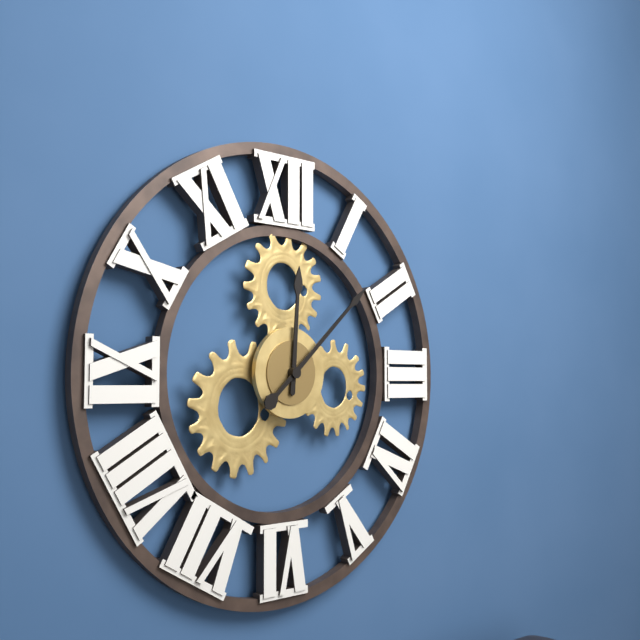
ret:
12.08
